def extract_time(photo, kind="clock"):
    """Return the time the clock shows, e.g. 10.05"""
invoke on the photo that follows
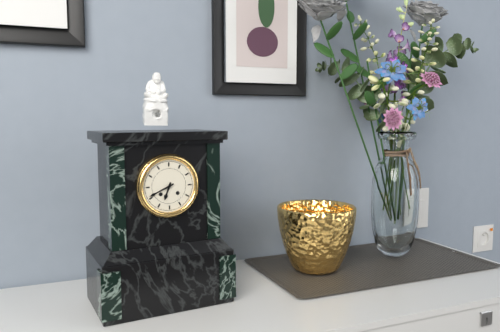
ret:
6.41
